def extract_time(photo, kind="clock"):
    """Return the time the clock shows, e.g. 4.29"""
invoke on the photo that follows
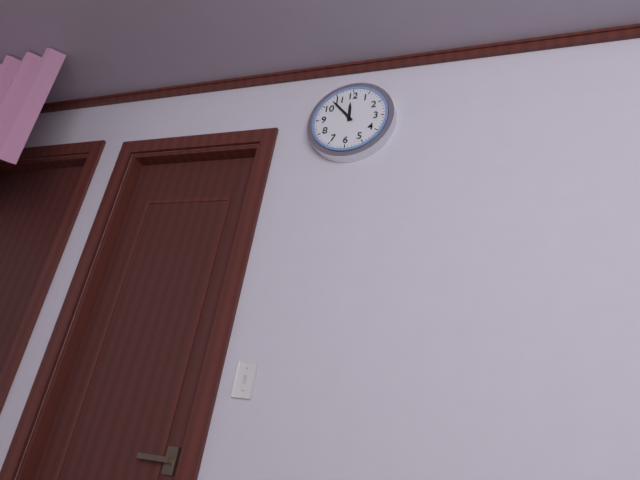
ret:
11.53
